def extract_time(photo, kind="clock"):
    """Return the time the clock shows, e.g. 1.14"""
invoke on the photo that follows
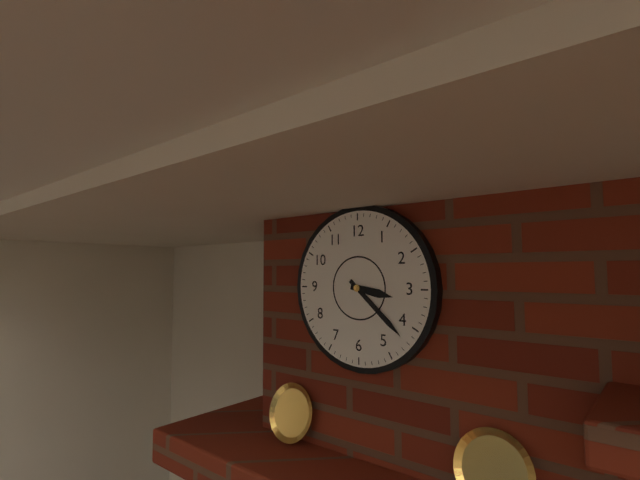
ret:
3.22
